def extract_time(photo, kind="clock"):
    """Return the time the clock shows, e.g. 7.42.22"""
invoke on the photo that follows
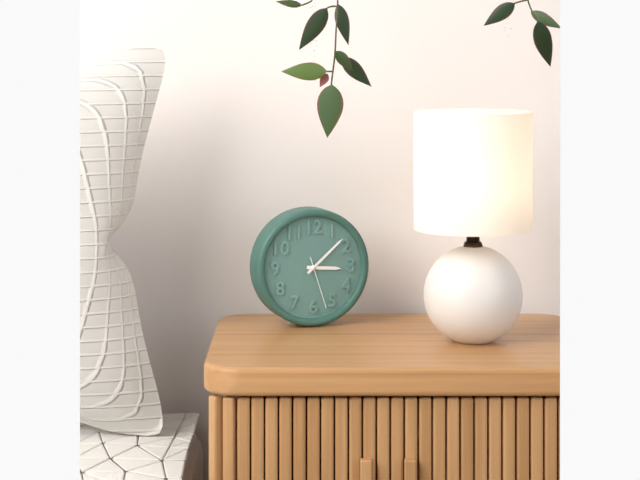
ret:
3.08.27
